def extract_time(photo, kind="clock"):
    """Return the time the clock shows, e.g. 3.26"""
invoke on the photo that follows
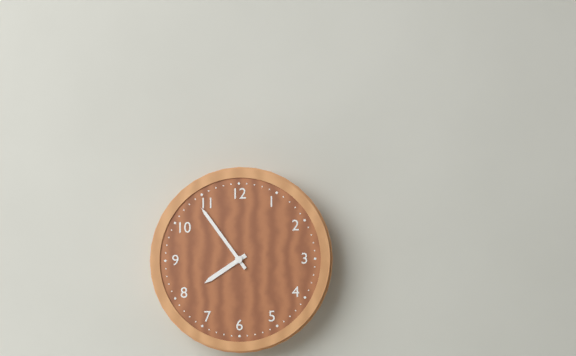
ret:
7.54
